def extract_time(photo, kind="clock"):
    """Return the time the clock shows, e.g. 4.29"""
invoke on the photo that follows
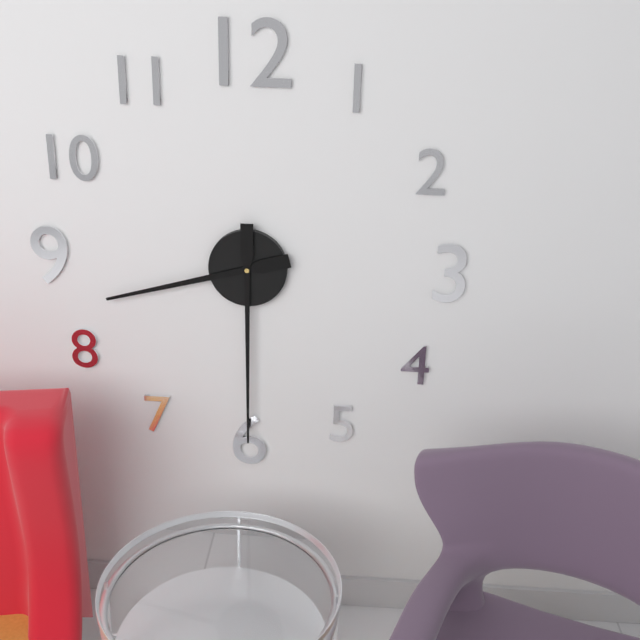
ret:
8.30
